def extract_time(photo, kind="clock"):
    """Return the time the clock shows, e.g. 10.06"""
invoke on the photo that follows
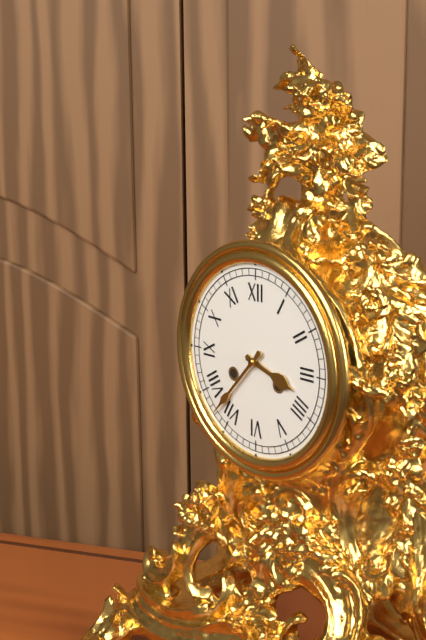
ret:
3.37
